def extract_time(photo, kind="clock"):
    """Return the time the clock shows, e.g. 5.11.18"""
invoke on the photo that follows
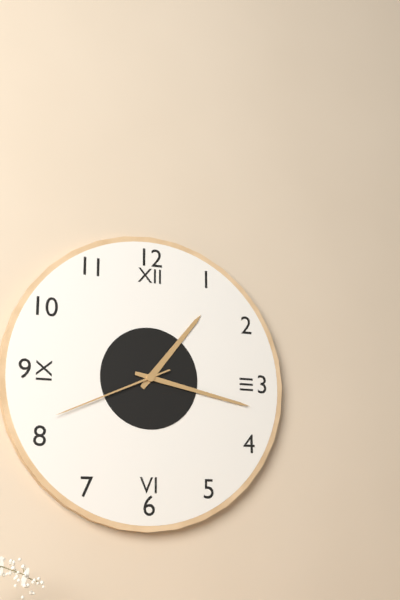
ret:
1.17.41
